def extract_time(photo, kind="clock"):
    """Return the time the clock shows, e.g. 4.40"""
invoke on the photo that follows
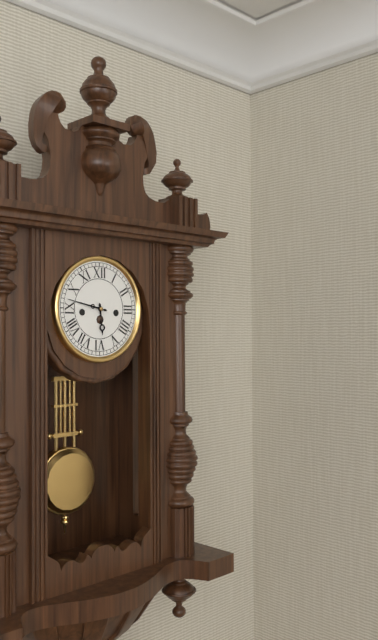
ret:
5.47
